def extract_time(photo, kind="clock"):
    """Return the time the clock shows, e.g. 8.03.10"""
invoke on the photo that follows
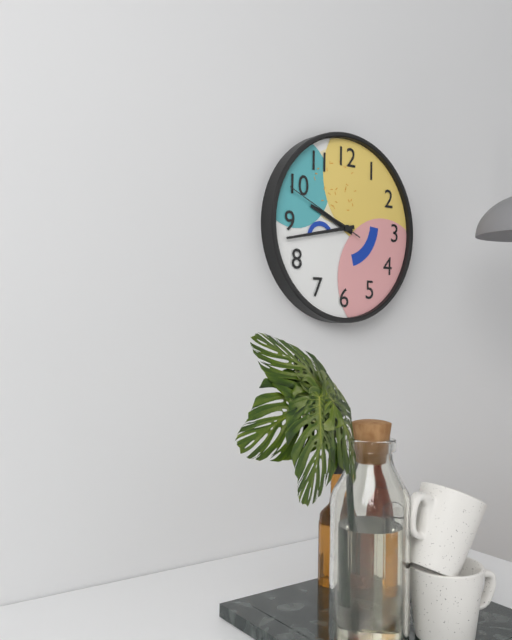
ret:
9.43.49
